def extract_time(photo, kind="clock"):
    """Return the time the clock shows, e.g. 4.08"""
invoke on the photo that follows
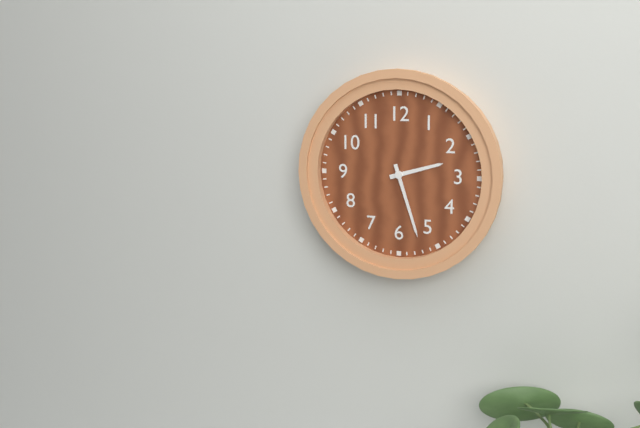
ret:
2.27
